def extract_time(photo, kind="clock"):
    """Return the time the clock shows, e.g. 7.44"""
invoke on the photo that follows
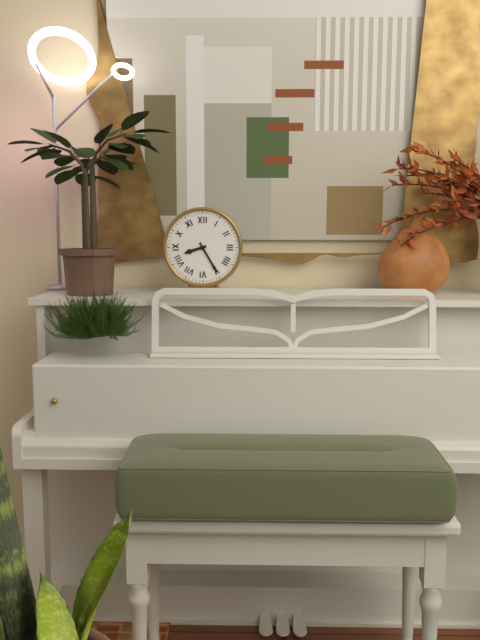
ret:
8.25
